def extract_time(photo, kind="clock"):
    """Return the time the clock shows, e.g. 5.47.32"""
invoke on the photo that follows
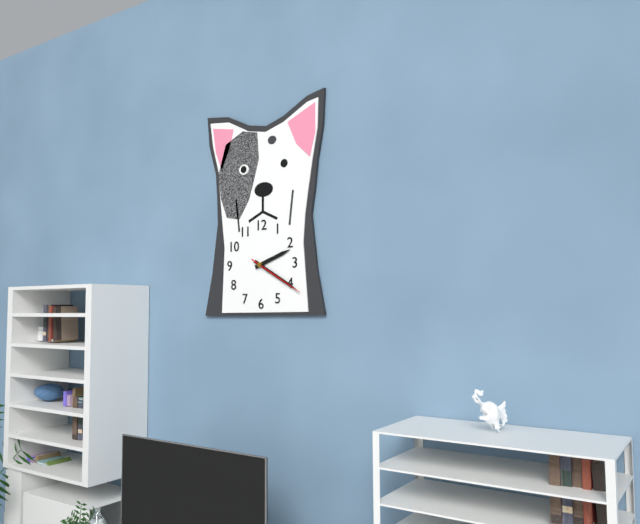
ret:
2.20.20
